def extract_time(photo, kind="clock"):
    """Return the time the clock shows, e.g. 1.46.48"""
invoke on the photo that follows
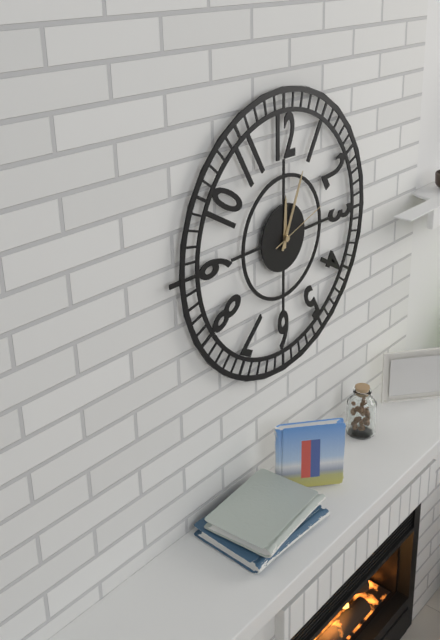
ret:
12.04.12
